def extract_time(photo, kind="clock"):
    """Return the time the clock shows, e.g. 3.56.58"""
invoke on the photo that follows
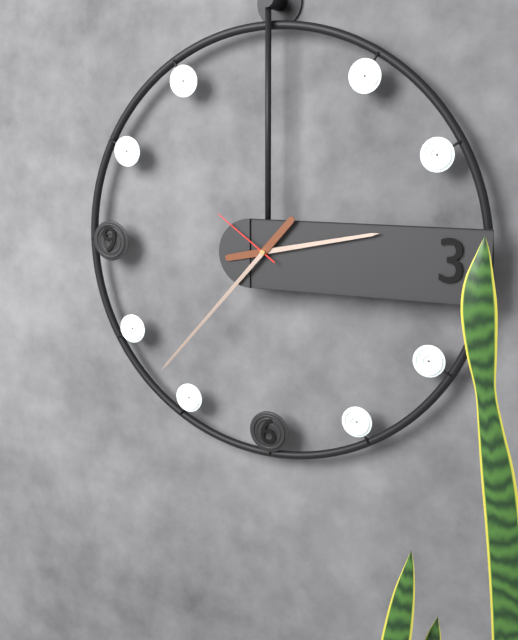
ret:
2.37.51
